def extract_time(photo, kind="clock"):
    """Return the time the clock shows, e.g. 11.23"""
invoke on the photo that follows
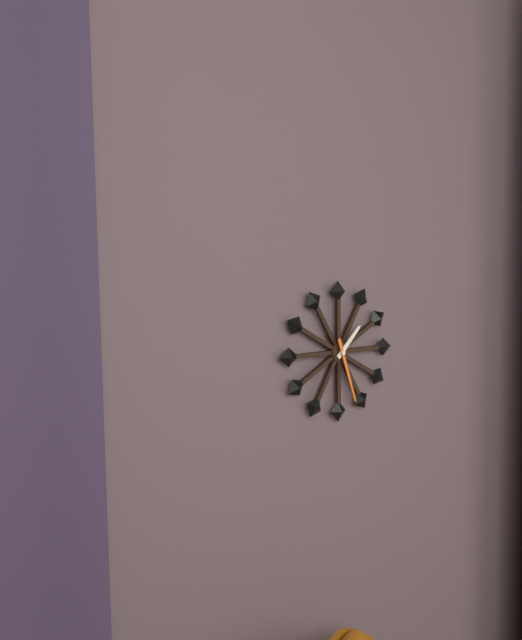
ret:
1.27
